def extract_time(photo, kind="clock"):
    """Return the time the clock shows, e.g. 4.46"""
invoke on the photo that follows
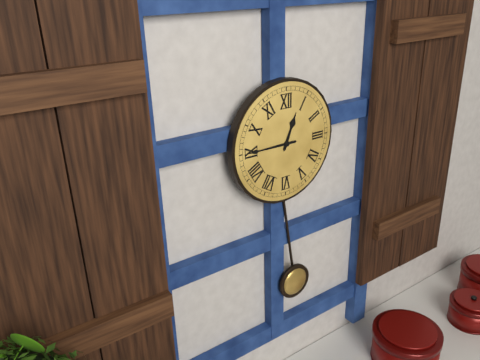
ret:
12.45
